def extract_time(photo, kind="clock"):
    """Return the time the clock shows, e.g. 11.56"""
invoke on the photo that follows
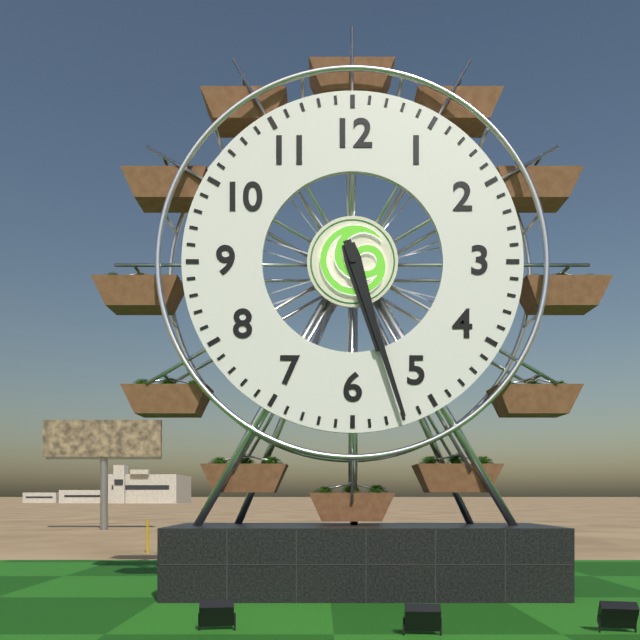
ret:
5.27
